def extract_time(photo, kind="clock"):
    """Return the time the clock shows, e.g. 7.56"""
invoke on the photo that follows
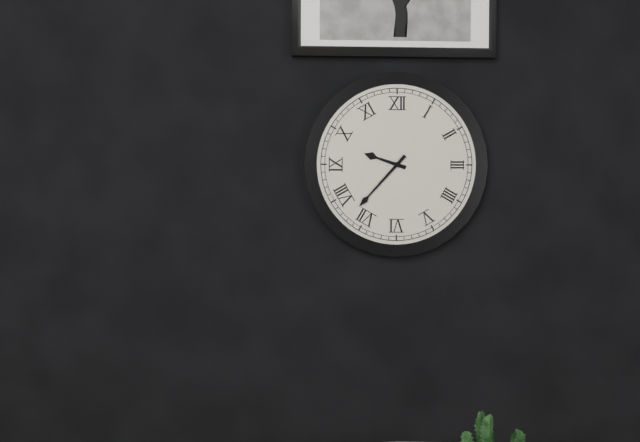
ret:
9.37
